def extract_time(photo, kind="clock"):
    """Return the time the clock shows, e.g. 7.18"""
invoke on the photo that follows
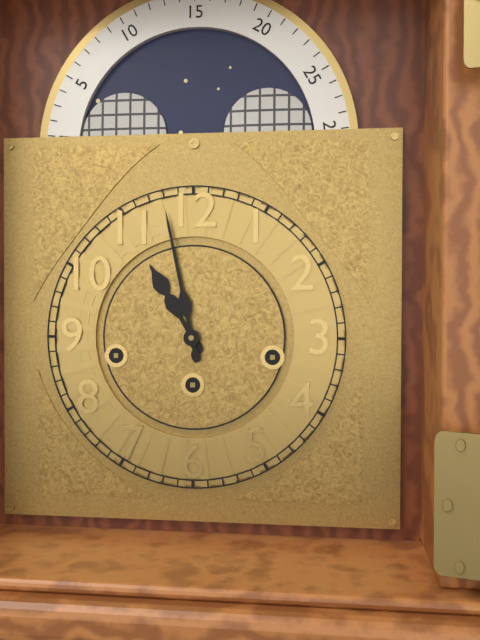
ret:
10.58
